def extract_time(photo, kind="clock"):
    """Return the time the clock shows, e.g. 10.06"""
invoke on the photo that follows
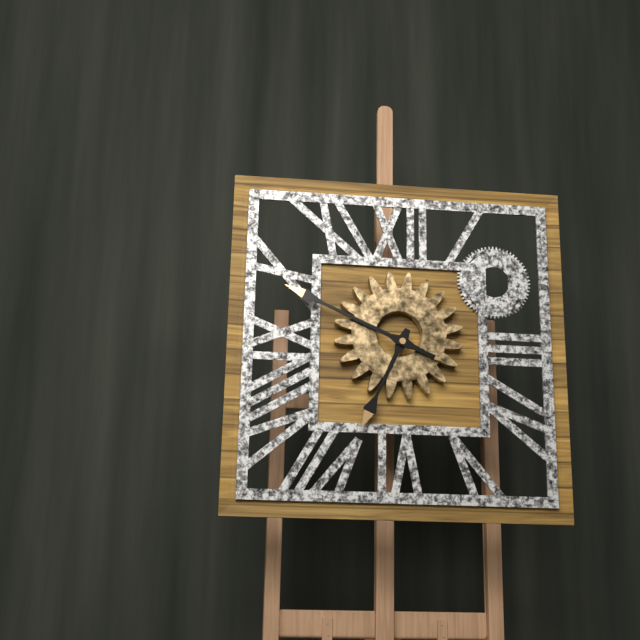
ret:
6.49
